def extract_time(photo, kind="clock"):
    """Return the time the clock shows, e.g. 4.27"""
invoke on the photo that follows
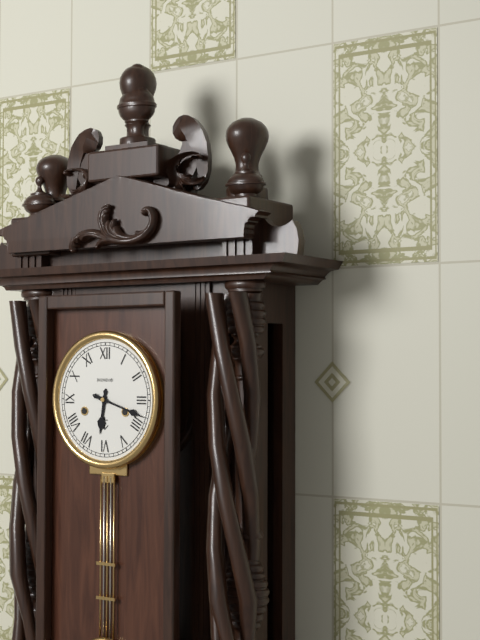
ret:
6.18
